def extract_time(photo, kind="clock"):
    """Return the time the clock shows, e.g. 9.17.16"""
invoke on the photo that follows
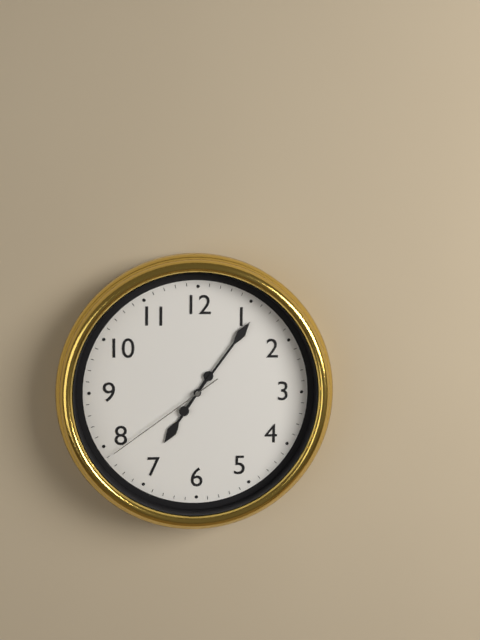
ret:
7.06.39
